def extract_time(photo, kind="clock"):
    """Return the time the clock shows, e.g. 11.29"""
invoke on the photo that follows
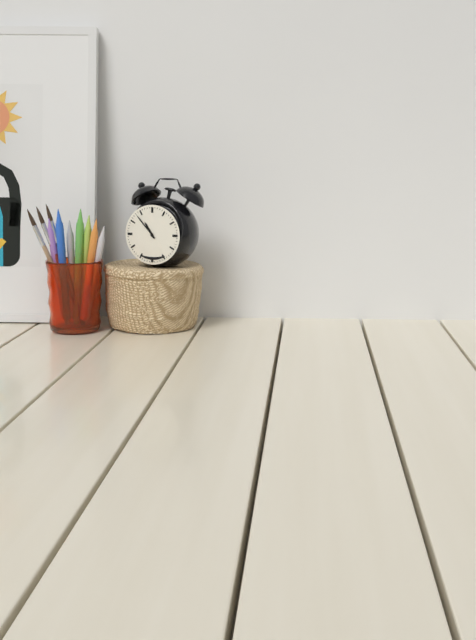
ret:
10.53
